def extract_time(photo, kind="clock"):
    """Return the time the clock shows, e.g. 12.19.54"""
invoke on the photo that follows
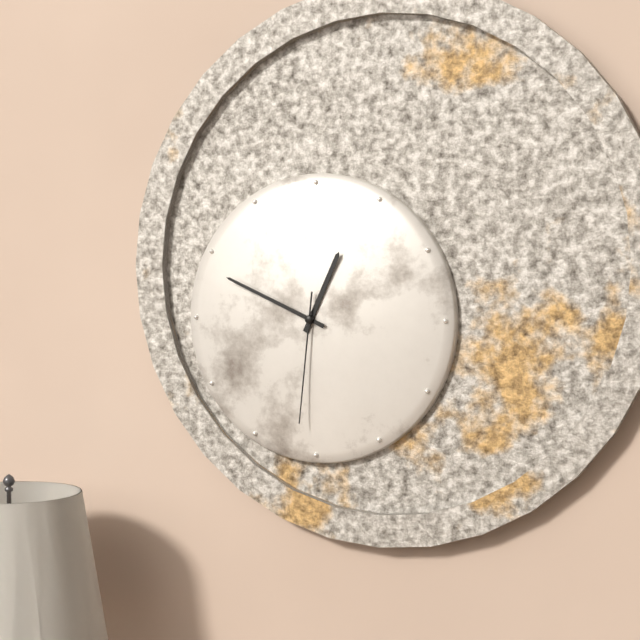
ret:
12.49.31
